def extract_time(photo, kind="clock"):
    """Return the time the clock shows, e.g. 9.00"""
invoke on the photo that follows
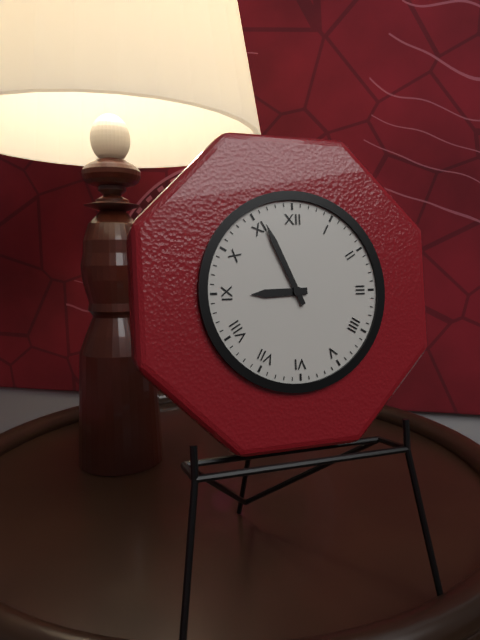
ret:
8.56
